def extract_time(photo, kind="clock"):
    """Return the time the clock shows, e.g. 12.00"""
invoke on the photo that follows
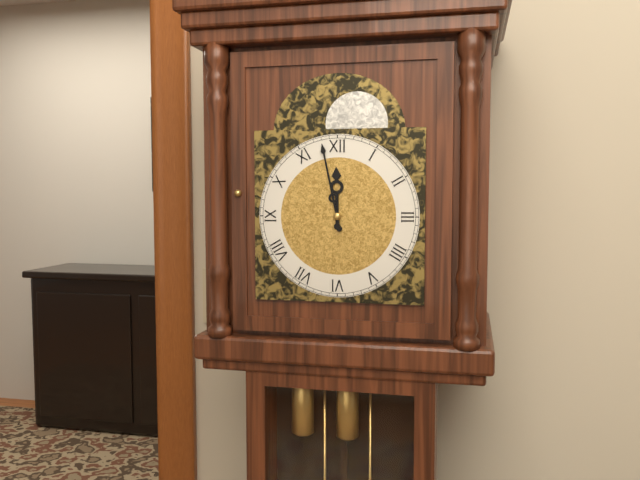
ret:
11.58
